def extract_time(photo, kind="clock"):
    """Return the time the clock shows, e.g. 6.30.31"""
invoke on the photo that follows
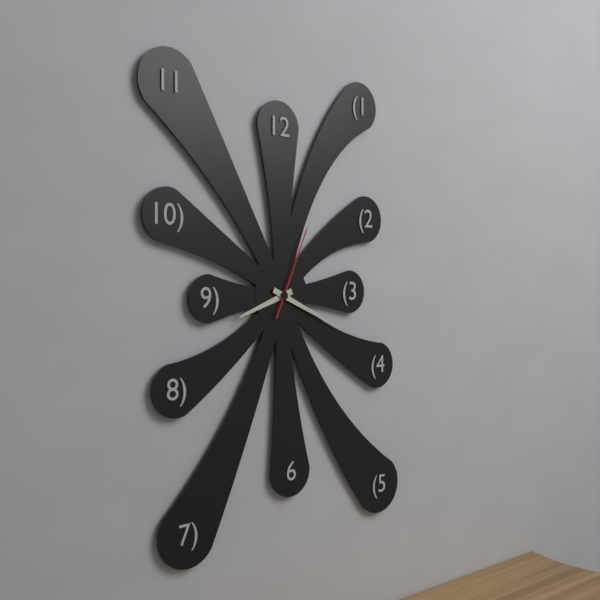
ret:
8.19.04
